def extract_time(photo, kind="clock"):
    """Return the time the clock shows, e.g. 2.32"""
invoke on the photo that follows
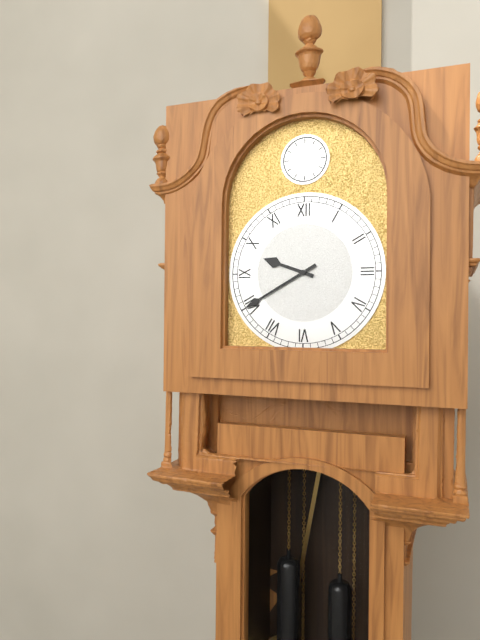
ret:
9.40
